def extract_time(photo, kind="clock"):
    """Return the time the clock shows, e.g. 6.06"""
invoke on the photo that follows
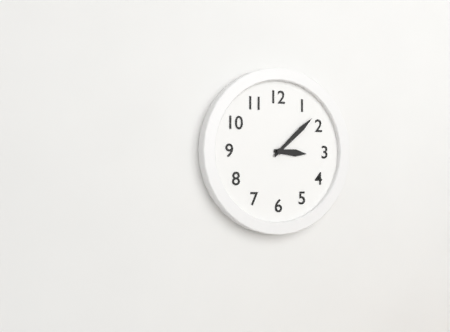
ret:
3.08
